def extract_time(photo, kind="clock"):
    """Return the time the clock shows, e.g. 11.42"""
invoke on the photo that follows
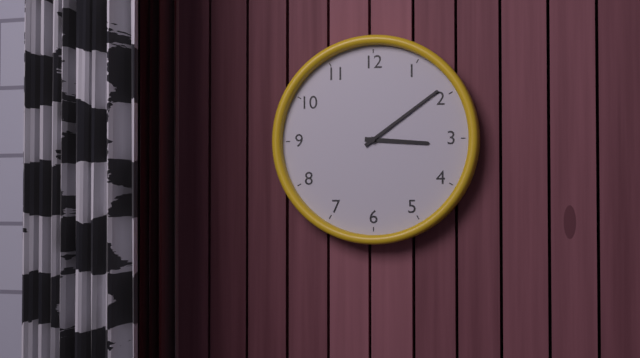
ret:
3.09
